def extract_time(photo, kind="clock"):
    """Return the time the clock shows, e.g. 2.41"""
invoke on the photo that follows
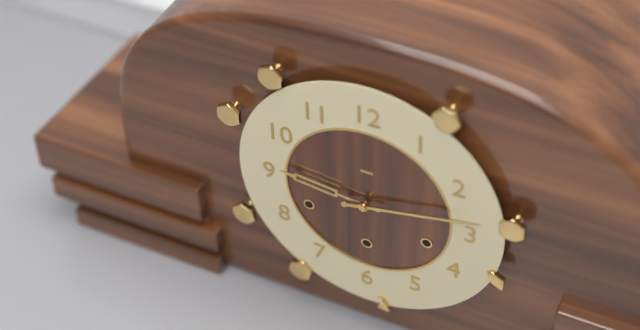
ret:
9.13
